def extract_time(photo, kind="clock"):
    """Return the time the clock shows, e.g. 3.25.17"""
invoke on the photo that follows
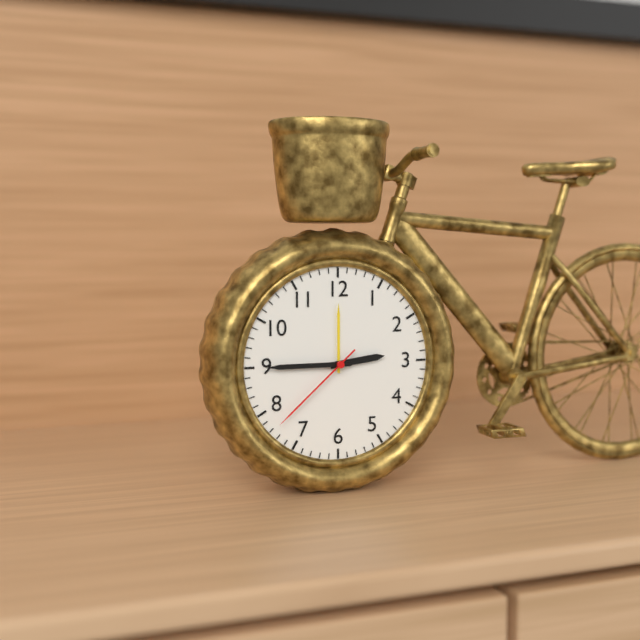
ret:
2.45.38
